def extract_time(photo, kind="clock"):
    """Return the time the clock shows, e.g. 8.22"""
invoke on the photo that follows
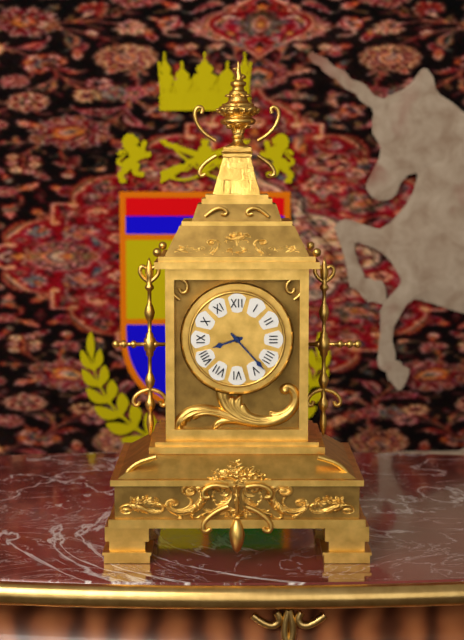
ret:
8.23
